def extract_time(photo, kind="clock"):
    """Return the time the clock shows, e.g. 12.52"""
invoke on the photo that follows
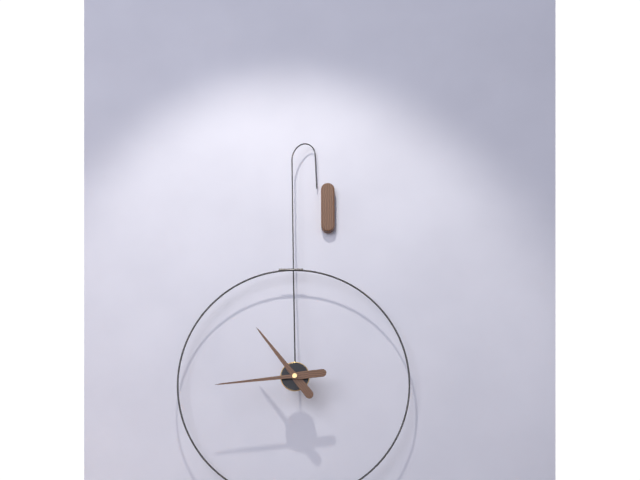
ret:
10.44
